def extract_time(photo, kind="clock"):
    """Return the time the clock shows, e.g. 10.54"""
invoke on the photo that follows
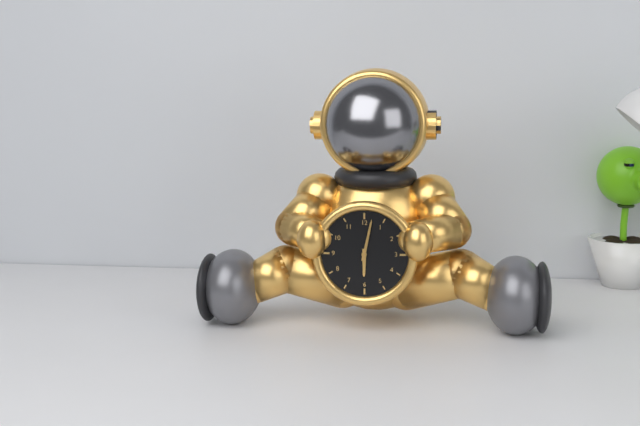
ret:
6.02
